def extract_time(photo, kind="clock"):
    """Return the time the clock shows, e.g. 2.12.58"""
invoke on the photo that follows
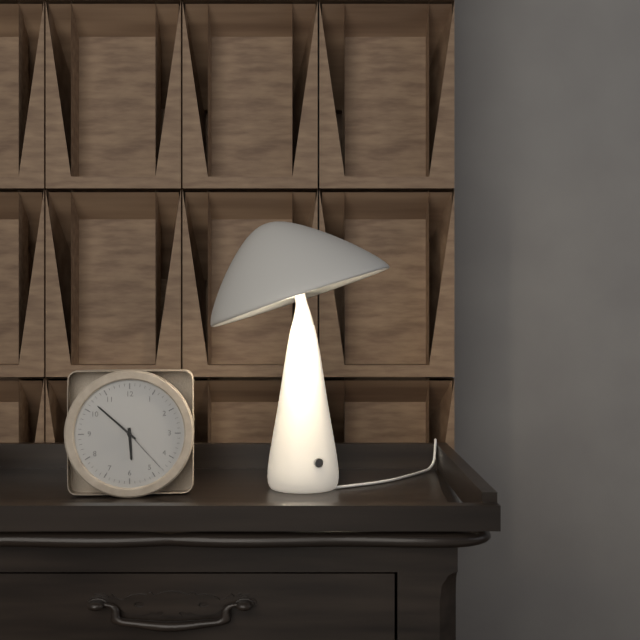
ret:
5.52.23
